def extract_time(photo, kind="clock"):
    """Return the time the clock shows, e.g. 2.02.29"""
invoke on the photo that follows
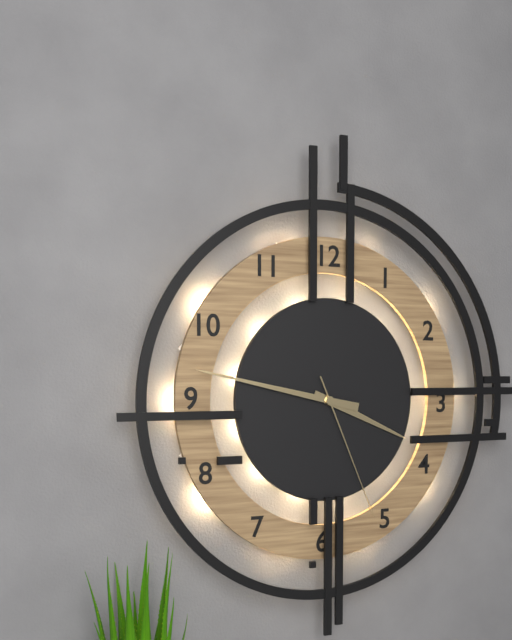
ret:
3.47.26
